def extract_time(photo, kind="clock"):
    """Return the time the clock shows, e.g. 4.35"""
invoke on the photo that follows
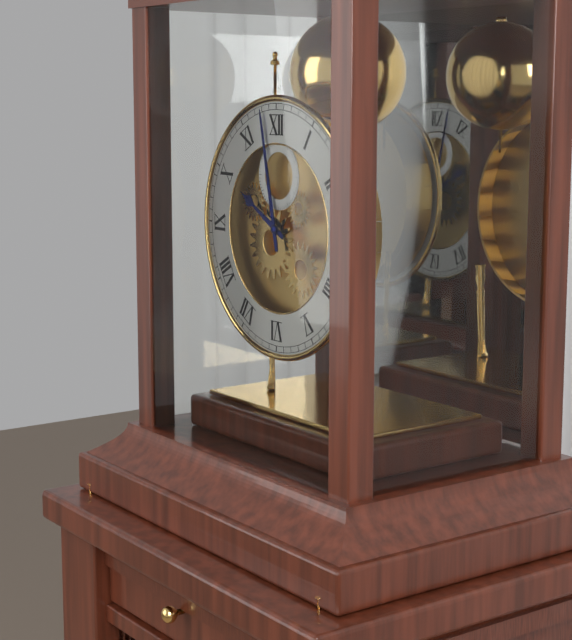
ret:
9.58
